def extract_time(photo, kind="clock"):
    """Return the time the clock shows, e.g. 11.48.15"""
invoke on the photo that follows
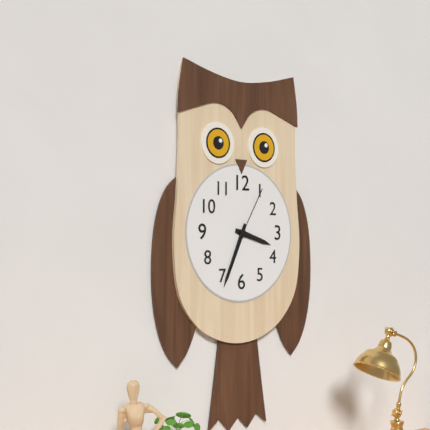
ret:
3.34.05
